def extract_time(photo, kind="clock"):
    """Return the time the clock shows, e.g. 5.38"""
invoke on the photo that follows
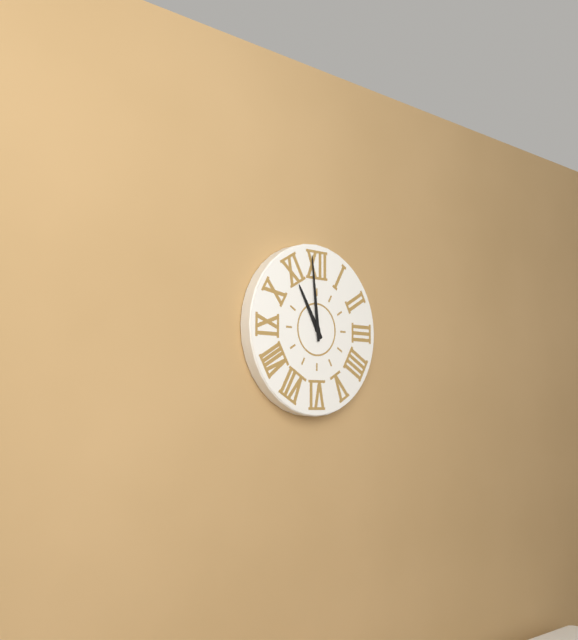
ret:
10.59
